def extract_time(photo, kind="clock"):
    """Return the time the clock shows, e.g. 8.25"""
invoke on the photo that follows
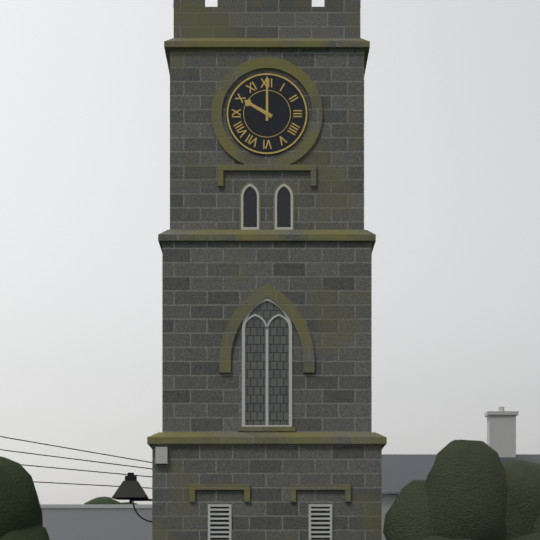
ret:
10.00
